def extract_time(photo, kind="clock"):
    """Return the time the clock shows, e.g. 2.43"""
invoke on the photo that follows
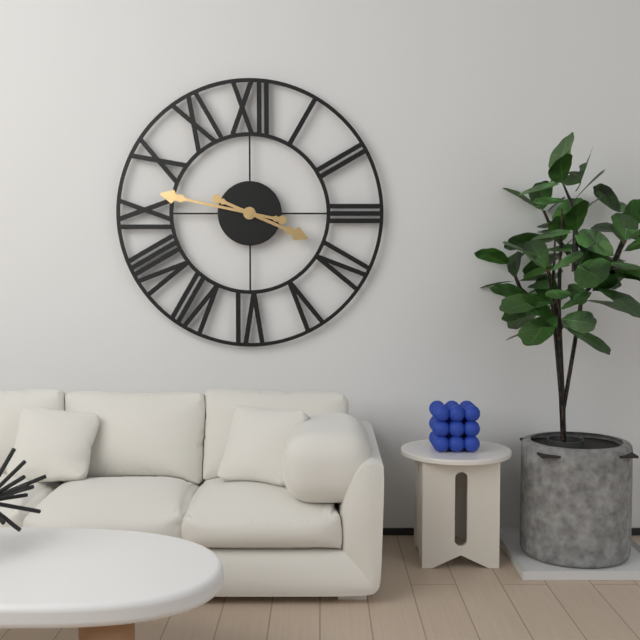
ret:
3.47
